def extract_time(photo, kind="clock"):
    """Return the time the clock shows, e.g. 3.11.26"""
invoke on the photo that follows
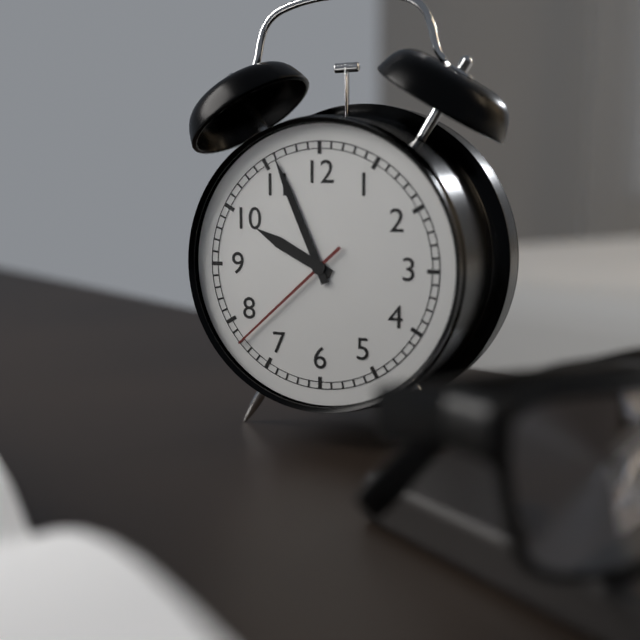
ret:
9.56.38
